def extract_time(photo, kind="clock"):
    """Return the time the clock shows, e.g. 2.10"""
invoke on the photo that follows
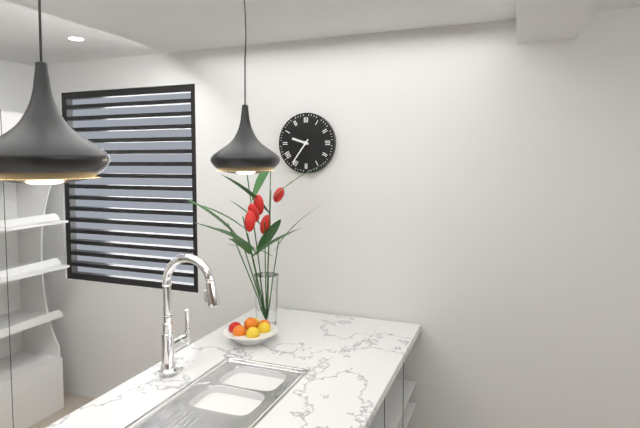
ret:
9.36
